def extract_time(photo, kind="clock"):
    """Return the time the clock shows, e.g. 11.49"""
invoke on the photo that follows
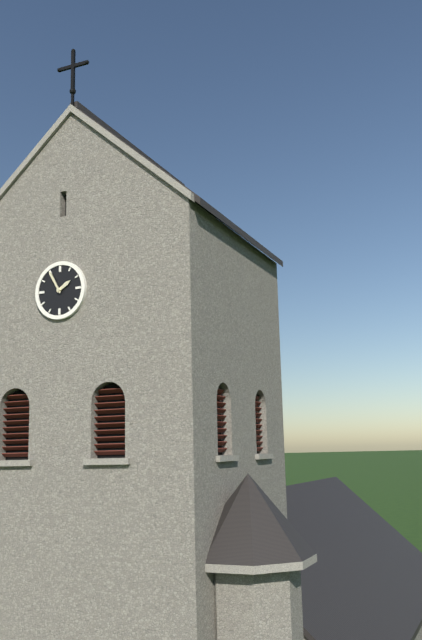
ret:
1.55
